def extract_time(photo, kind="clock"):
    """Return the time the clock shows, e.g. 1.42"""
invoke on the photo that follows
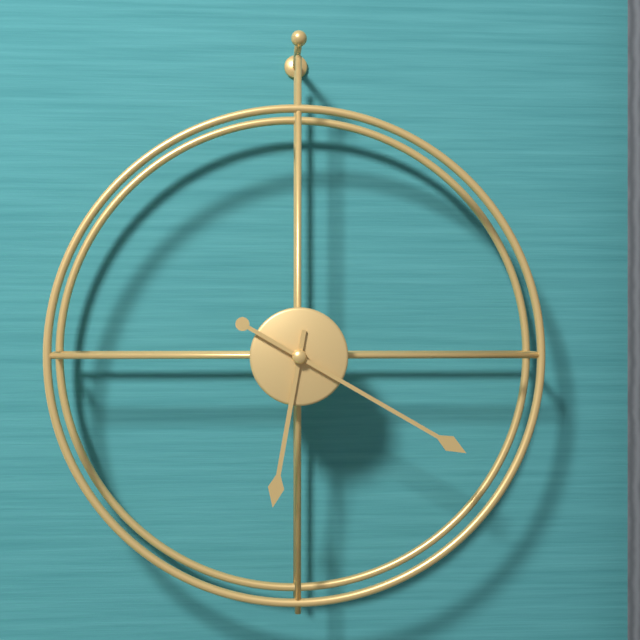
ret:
6.20
